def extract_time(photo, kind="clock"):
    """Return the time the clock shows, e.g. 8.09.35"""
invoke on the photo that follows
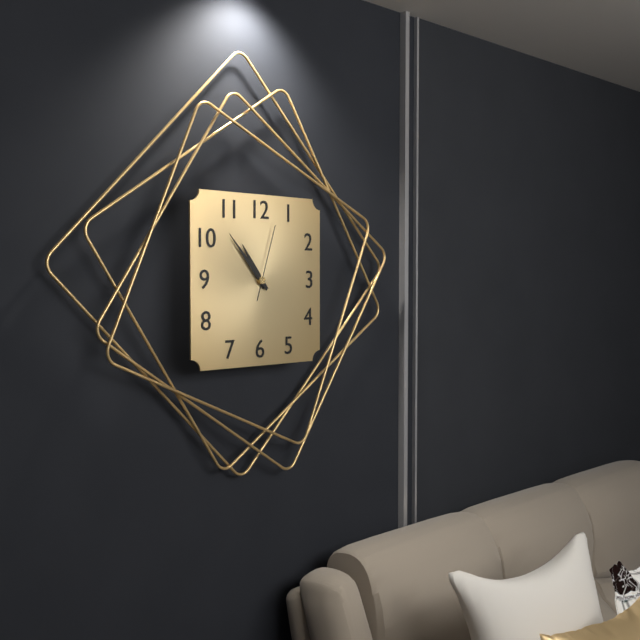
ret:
10.53.03
